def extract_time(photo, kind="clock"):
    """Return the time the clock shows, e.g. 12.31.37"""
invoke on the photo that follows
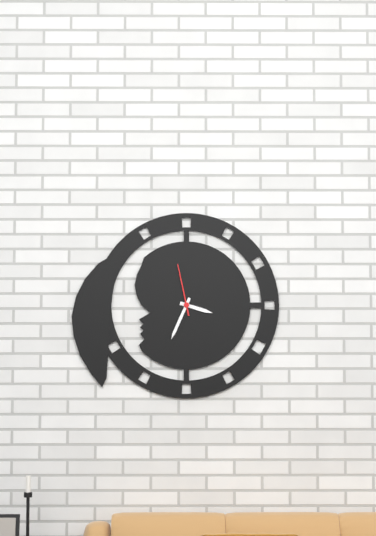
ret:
3.34.58
